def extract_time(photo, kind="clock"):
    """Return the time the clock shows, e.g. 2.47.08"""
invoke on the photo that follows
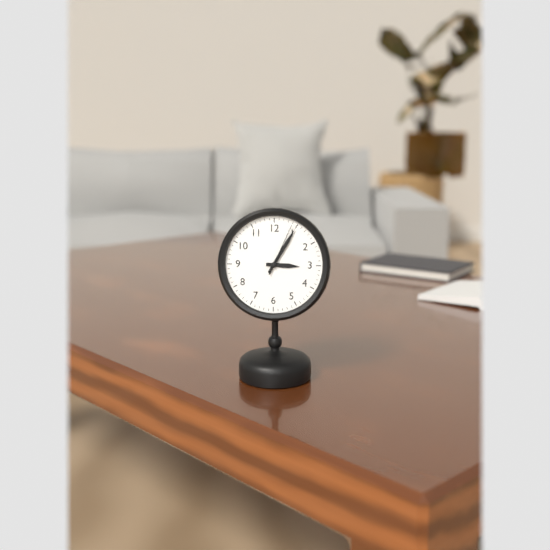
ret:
3.05.04
